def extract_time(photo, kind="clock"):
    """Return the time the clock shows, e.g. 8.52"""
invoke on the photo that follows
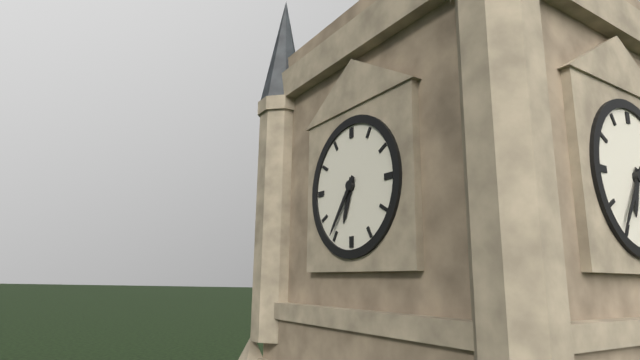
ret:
6.36
